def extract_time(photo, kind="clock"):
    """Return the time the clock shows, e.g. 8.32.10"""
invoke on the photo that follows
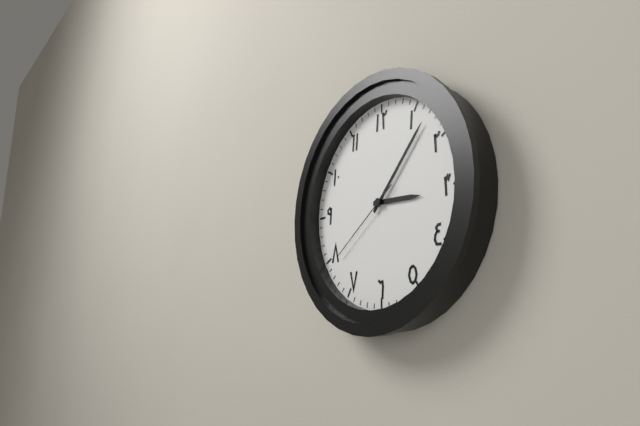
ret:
3.07.39
